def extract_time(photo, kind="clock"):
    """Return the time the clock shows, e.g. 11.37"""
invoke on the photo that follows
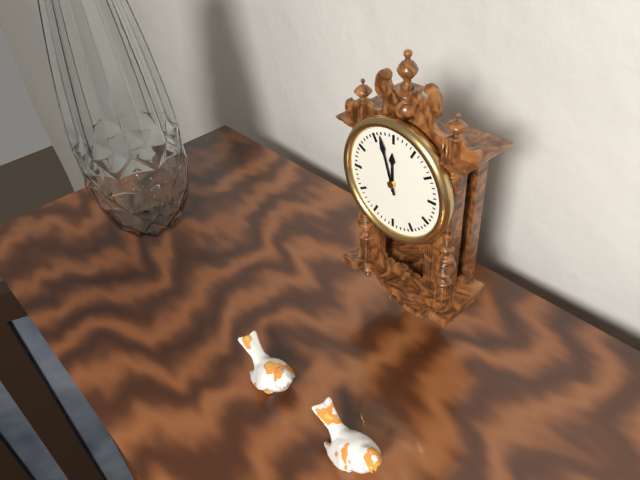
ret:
11.57
